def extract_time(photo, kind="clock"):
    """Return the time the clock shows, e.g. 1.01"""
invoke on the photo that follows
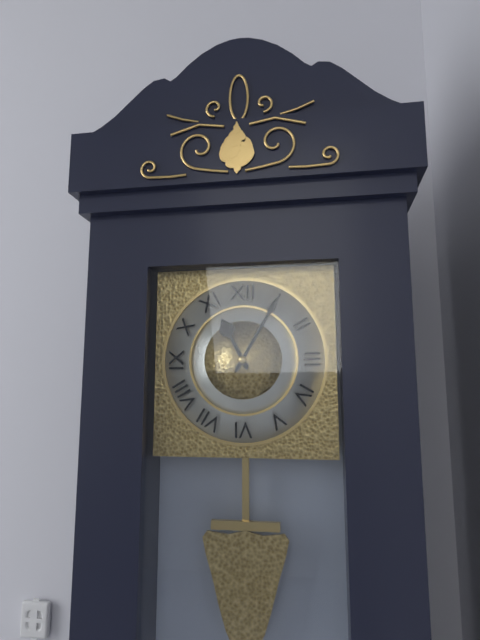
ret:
11.05
